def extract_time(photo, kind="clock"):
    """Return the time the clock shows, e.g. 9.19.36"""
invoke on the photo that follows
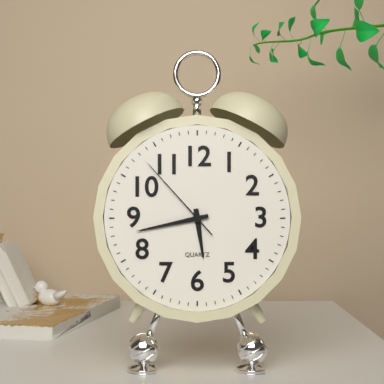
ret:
5.43.53
